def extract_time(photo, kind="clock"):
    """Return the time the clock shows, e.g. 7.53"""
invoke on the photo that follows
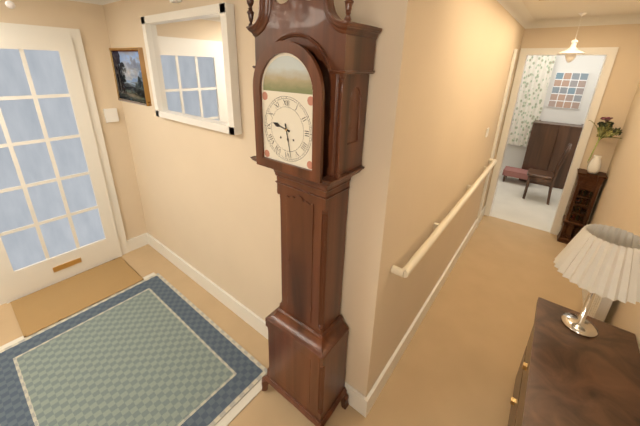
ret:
9.28
